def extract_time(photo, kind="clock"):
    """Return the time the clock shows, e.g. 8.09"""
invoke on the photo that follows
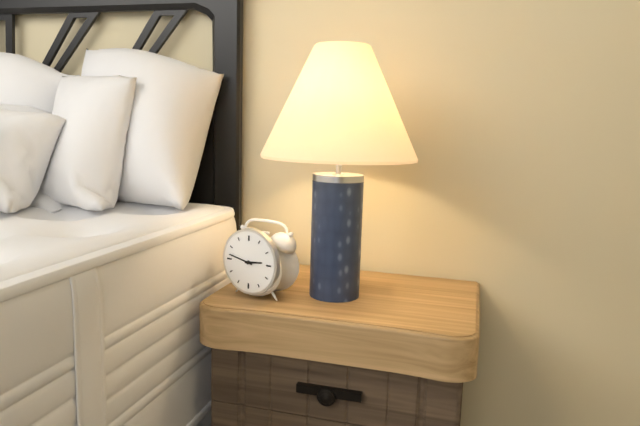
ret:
2.47
